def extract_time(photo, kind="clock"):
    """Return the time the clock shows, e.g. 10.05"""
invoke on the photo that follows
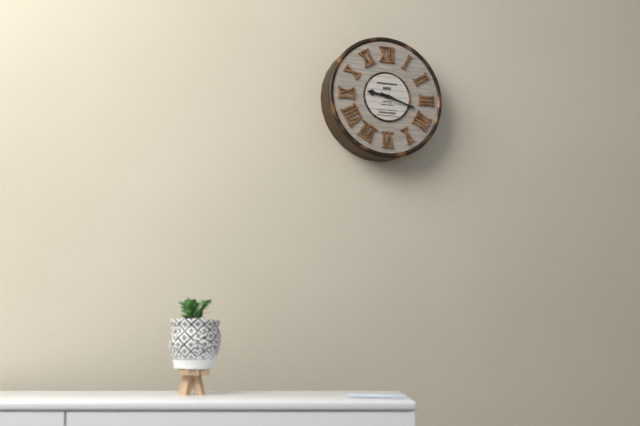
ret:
9.18
